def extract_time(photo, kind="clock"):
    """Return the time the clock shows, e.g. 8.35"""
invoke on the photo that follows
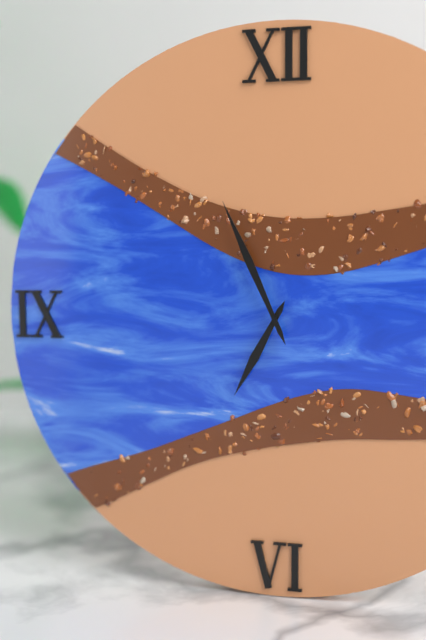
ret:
6.56
